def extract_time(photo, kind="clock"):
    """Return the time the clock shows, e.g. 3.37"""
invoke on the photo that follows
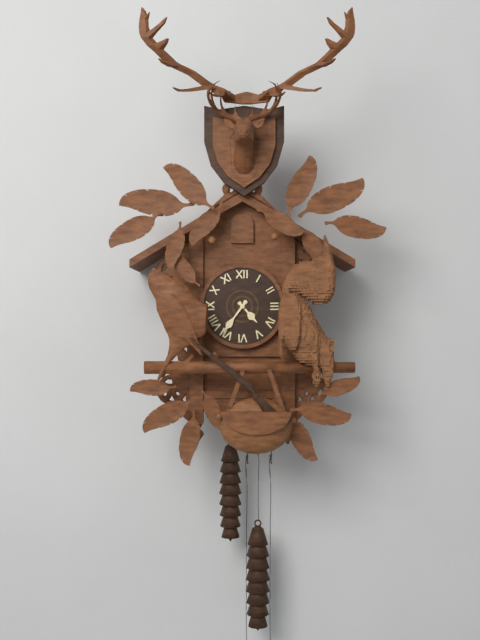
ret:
4.36
